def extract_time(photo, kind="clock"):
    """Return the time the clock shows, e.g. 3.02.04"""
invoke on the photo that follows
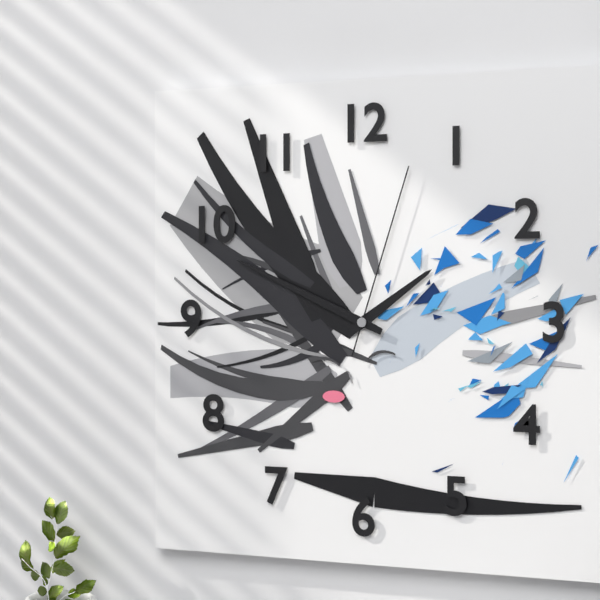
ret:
1.49.03
